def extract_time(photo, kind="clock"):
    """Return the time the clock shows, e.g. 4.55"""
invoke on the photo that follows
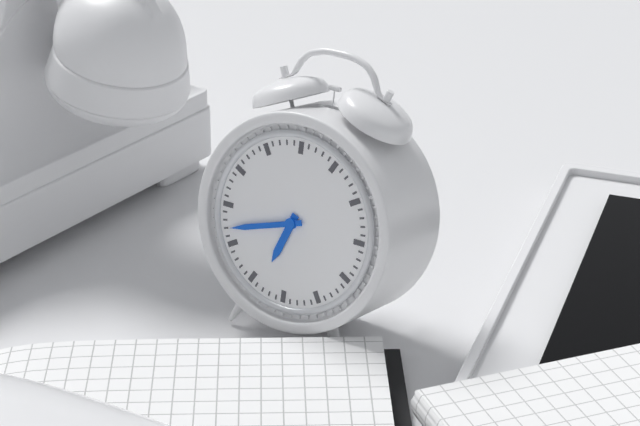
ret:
6.42
